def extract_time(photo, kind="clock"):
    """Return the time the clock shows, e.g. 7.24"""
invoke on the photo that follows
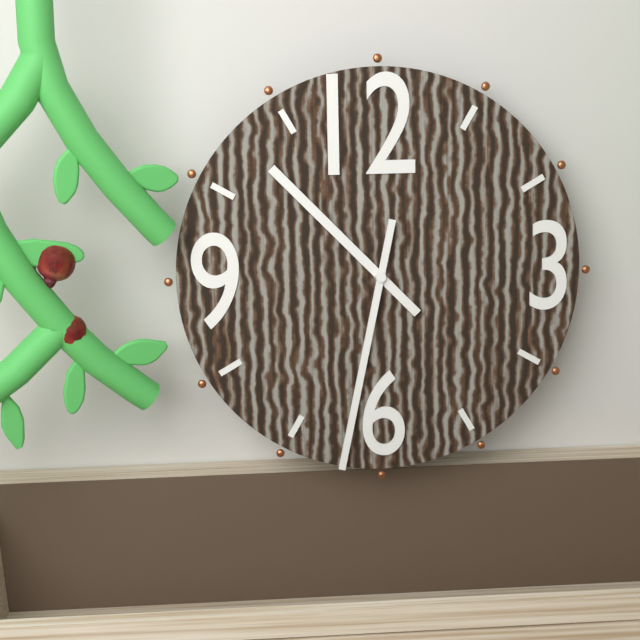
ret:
10.32
